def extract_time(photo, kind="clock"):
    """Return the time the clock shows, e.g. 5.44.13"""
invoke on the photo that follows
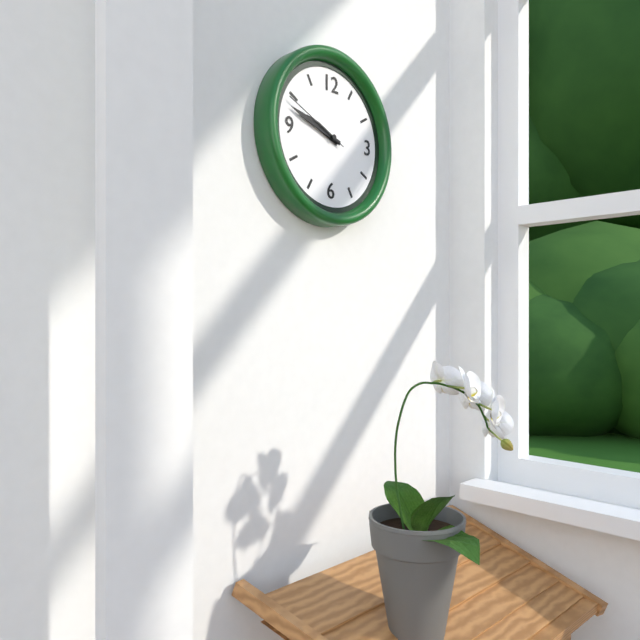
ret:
9.48.49
